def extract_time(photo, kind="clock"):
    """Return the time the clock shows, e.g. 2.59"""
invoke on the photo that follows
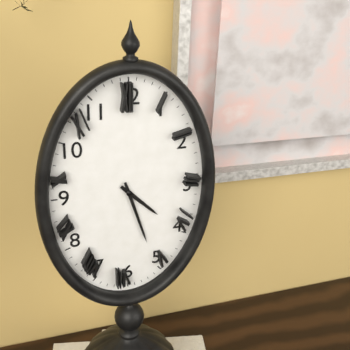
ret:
4.27
